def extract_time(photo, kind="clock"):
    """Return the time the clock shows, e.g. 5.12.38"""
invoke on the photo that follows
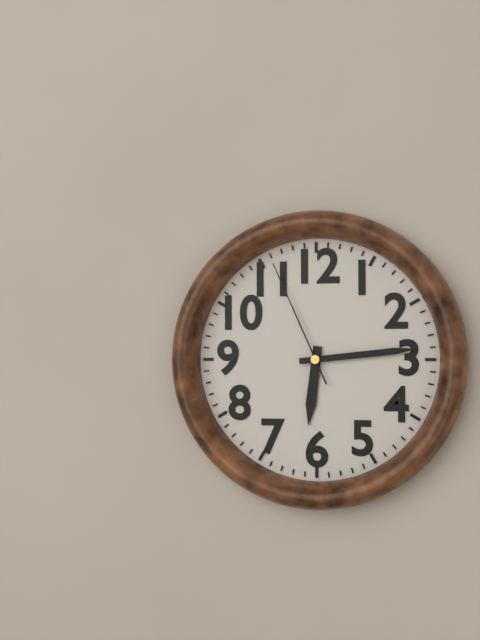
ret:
6.14.56
